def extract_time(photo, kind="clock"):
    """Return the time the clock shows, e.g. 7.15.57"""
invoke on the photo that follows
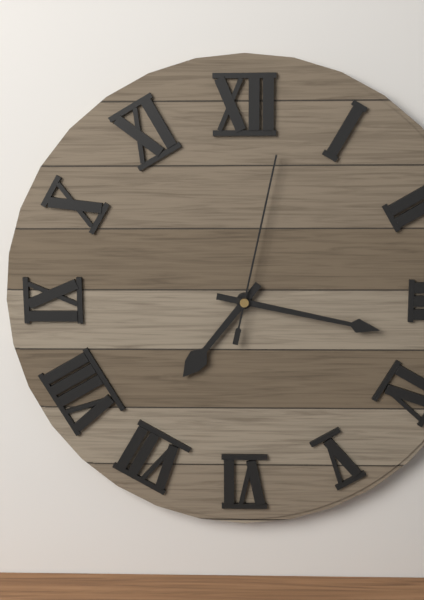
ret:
7.17.02
